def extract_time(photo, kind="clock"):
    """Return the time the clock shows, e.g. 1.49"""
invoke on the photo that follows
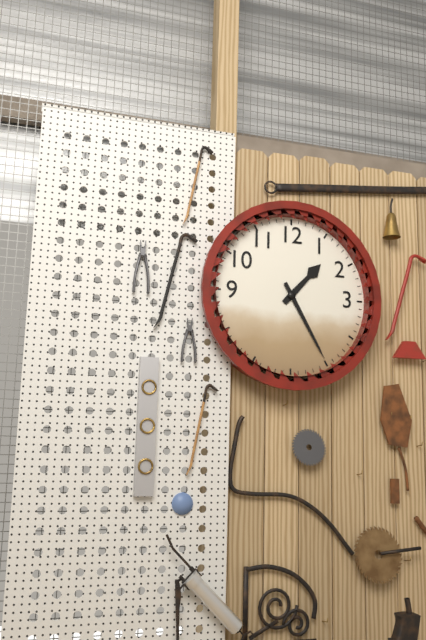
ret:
1.25
